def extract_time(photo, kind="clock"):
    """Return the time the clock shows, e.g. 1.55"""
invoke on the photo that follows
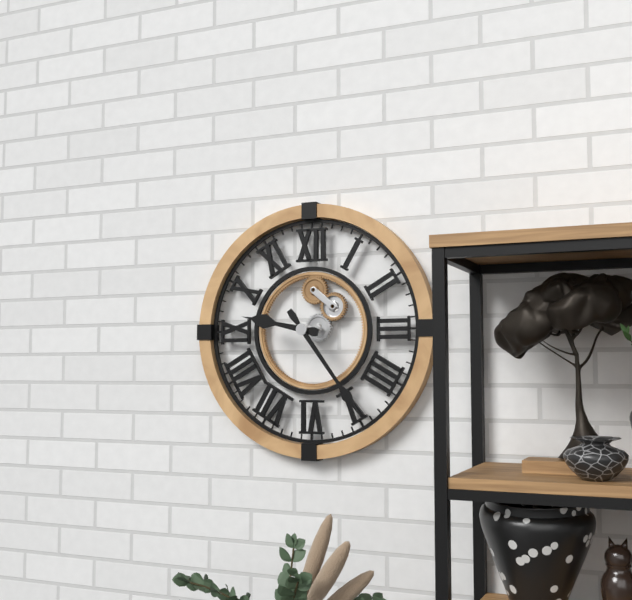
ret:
9.24
